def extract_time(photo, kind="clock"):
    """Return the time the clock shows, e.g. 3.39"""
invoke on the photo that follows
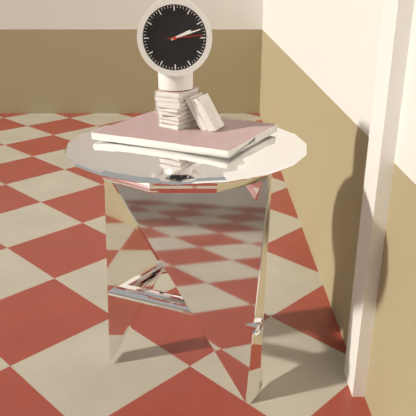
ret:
2.12
